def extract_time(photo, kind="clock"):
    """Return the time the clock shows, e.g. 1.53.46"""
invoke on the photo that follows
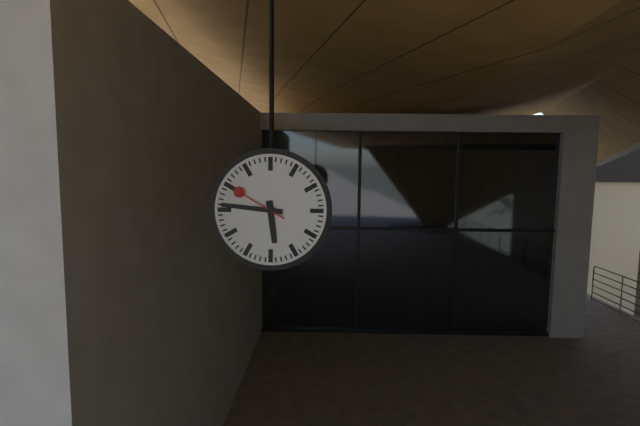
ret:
5.46.50
